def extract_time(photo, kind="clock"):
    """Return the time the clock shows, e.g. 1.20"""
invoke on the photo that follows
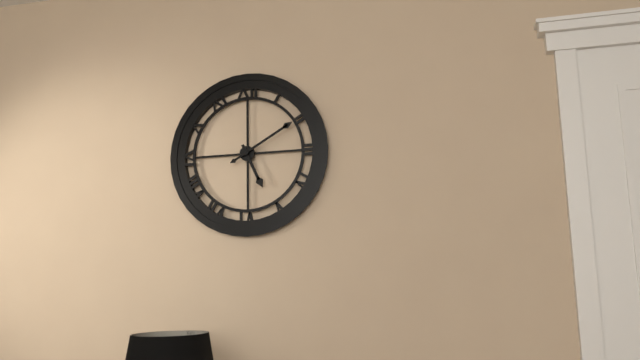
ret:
5.10
